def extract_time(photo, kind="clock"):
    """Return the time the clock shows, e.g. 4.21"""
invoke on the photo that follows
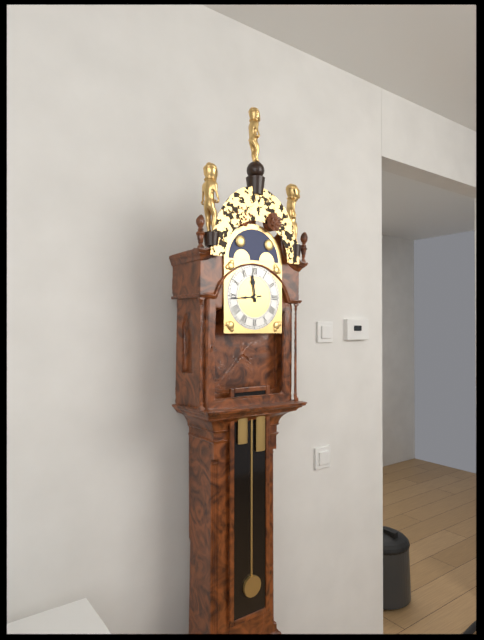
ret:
11.44
